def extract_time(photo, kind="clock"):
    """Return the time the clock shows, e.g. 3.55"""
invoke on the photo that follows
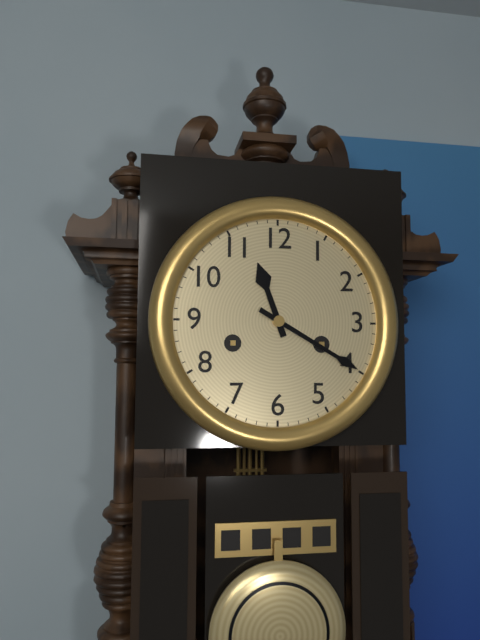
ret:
11.20
